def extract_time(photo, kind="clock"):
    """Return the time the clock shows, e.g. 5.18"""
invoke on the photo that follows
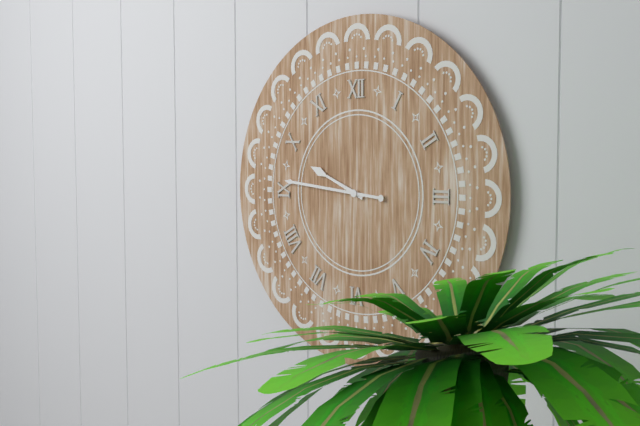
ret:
9.46
